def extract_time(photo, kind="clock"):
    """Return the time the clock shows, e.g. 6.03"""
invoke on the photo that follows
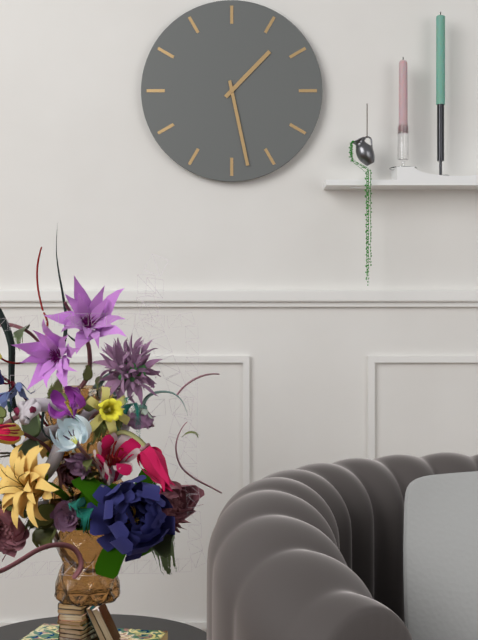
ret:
1.28
